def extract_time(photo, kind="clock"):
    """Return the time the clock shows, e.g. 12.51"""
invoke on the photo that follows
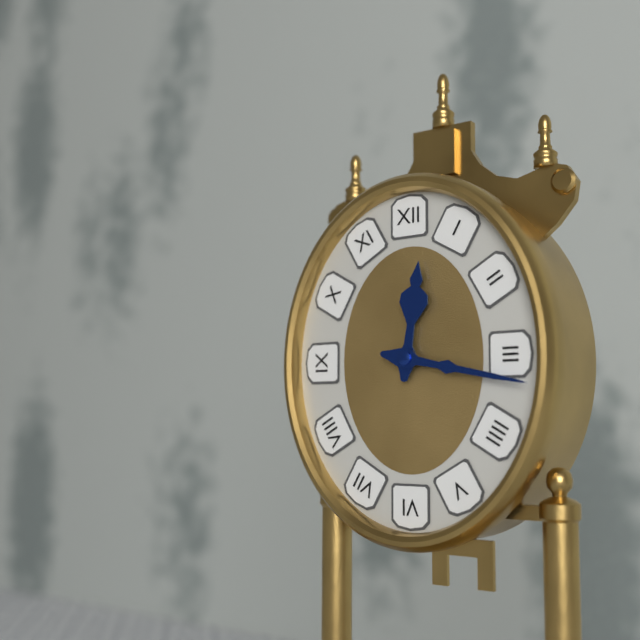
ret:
12.17
